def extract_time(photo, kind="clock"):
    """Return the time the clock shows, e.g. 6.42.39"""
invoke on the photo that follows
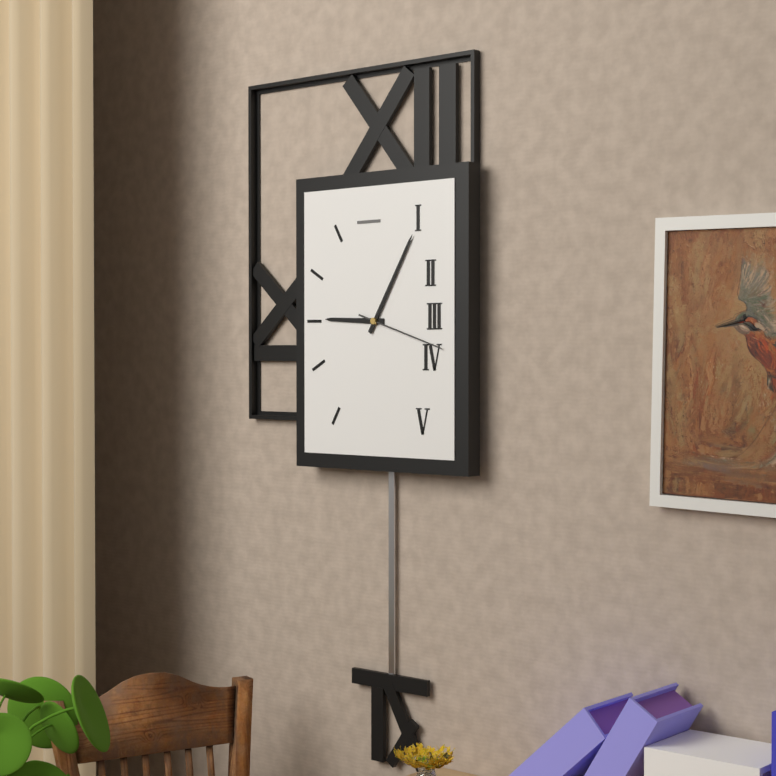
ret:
9.05.18
